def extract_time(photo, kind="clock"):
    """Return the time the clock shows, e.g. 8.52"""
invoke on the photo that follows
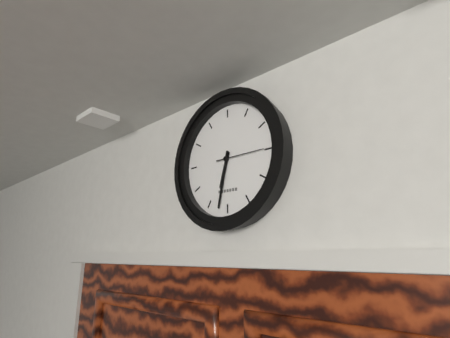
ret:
6.32
